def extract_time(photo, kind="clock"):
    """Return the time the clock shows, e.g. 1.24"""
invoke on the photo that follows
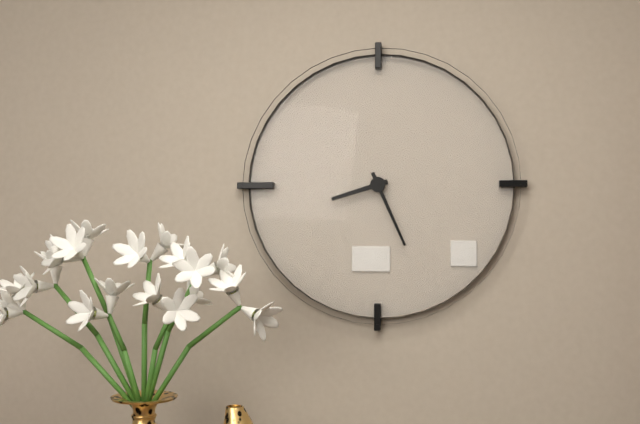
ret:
8.26
